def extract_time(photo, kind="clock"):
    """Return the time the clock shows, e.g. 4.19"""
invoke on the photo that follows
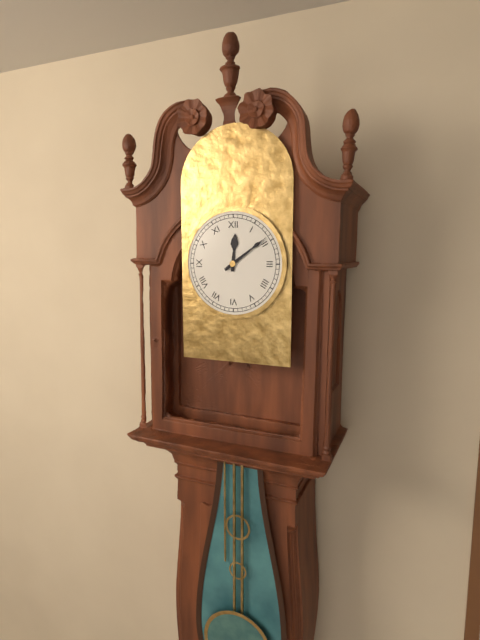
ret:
12.09
